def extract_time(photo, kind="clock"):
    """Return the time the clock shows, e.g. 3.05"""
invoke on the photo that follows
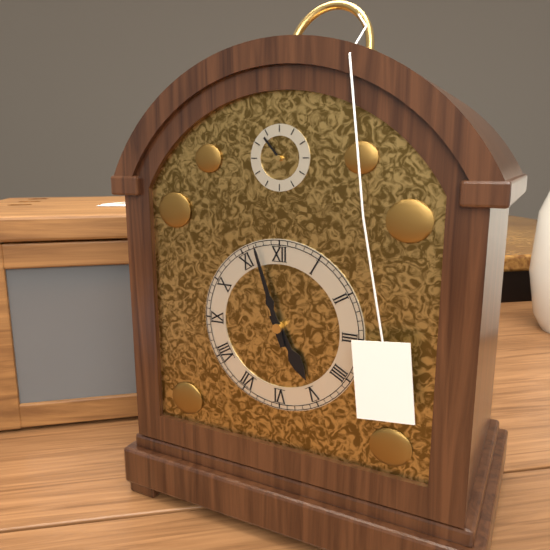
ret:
4.57
